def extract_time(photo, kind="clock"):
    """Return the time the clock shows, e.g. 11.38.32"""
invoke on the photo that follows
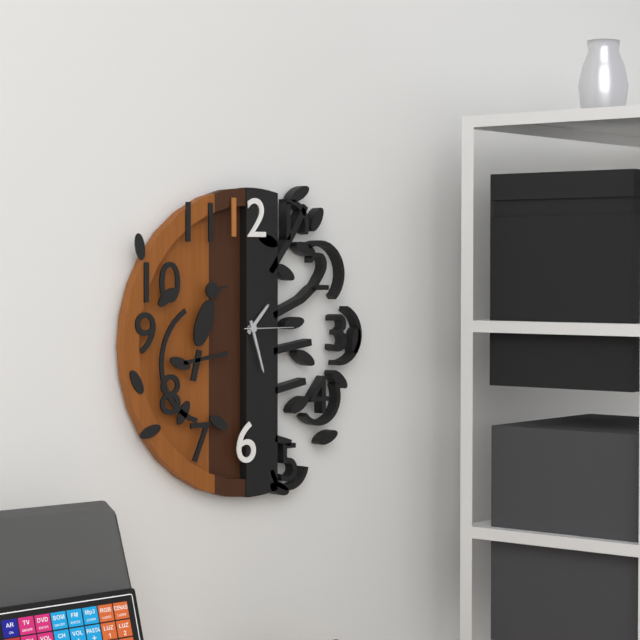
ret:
1.27.15
